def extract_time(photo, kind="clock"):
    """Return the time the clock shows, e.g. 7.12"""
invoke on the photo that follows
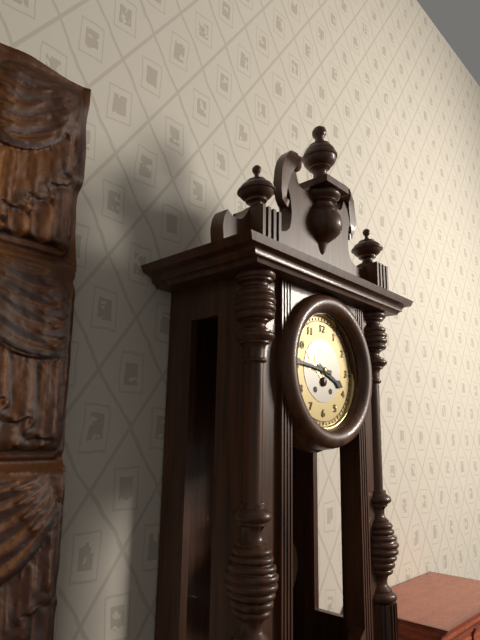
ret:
3.46
